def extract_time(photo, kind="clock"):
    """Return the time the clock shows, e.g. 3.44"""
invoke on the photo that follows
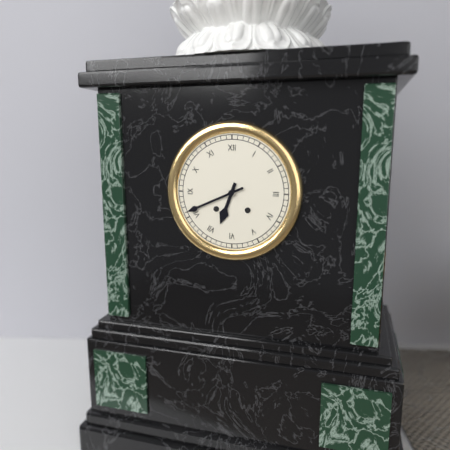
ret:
6.41
